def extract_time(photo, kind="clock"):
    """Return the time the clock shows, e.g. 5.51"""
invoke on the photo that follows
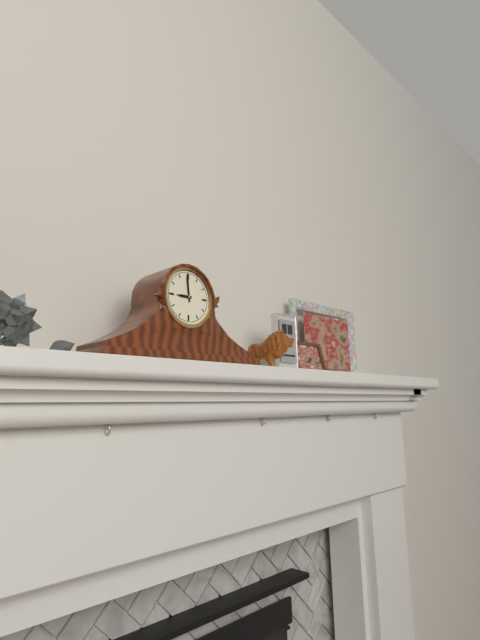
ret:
8.59
